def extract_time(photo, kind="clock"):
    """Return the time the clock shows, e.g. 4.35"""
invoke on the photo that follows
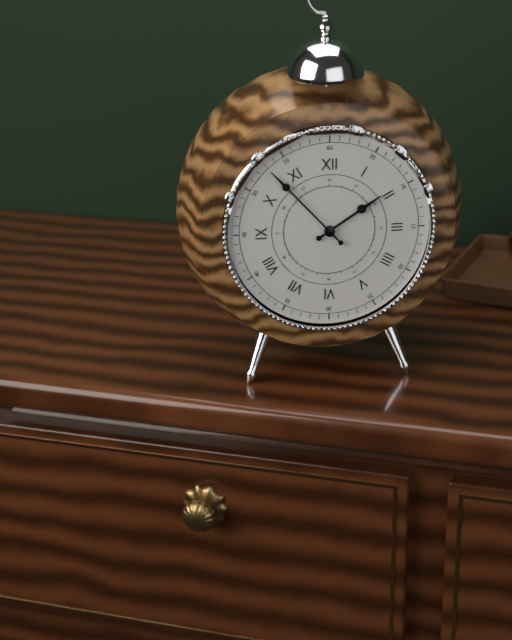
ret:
1.53
